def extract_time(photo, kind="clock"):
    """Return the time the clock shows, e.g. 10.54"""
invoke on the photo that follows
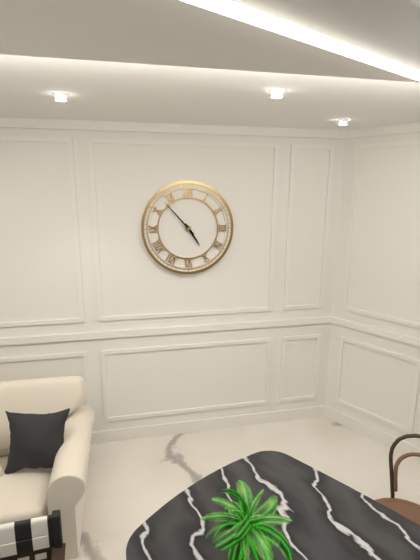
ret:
4.53
